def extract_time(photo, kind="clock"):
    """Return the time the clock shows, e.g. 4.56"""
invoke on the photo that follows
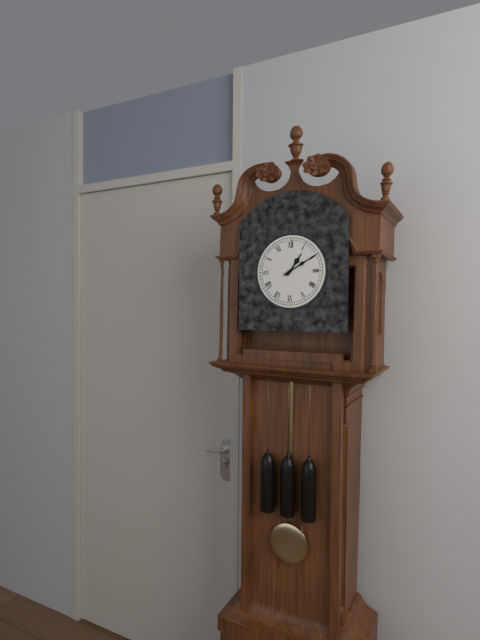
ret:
1.10
